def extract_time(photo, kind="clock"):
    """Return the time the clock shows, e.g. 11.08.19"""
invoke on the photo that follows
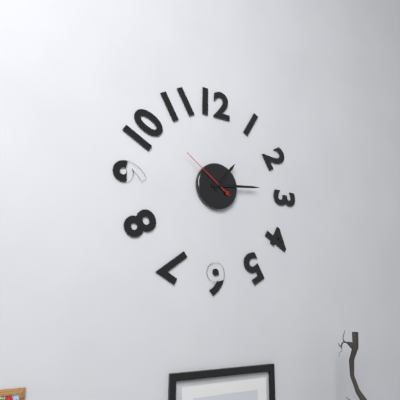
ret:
1.14.51
